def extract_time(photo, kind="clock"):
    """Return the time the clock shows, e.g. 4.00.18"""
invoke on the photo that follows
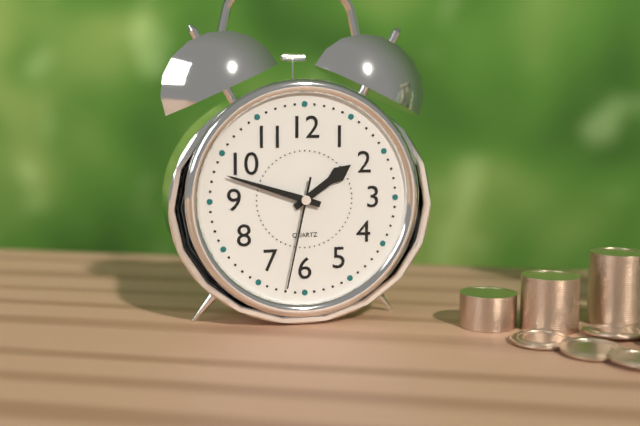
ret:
1.48.32
